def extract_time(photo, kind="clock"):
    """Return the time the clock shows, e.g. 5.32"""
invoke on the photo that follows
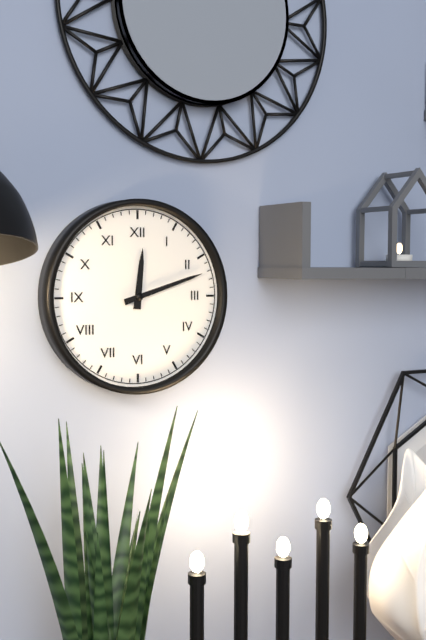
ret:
12.12
